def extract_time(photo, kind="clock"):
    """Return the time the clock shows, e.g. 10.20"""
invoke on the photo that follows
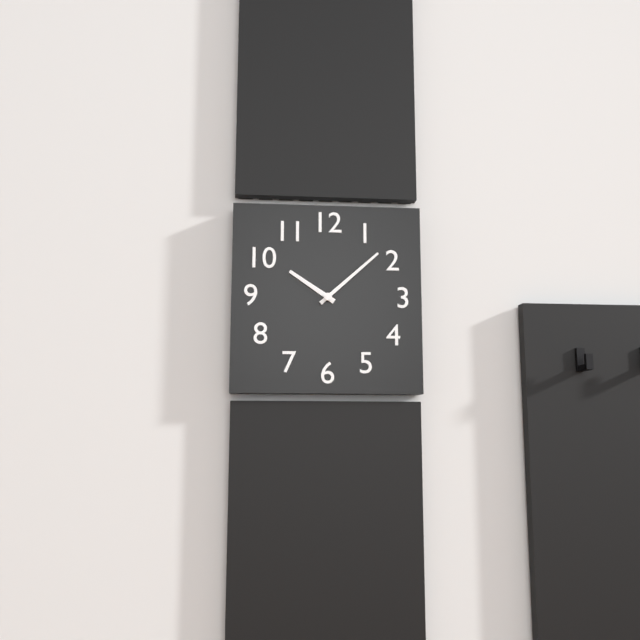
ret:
10.08
